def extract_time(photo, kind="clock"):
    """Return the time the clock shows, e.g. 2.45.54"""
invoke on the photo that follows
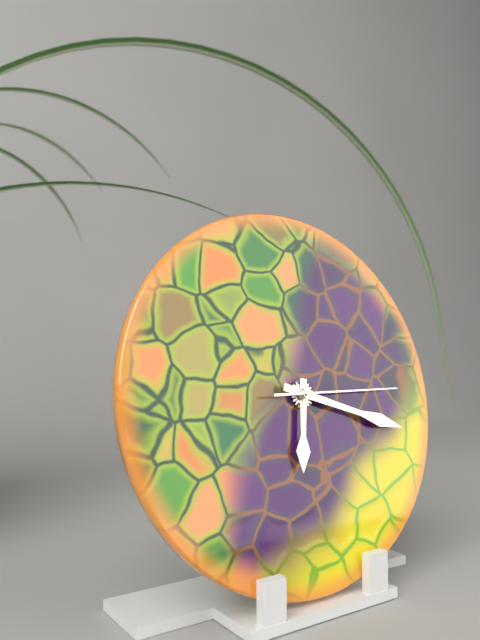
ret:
6.18.15
